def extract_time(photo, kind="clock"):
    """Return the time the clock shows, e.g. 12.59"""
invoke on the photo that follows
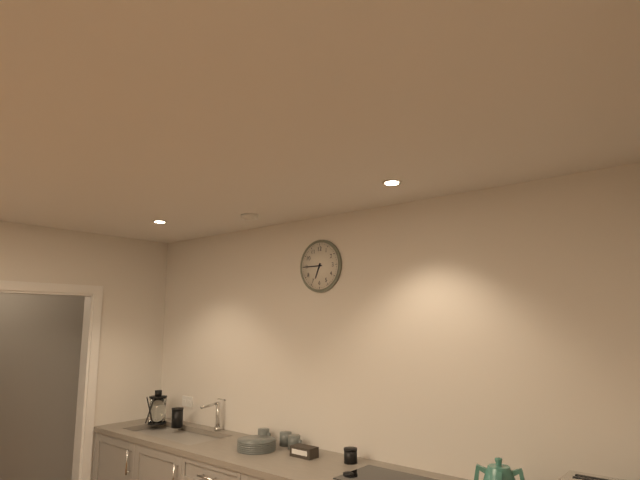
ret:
6.45
